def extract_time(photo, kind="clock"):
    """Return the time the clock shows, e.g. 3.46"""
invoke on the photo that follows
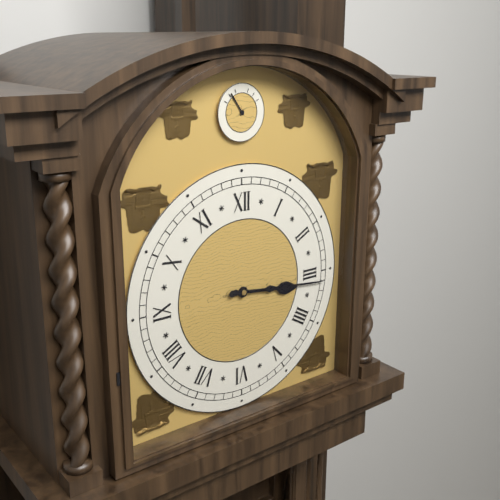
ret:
3.16
